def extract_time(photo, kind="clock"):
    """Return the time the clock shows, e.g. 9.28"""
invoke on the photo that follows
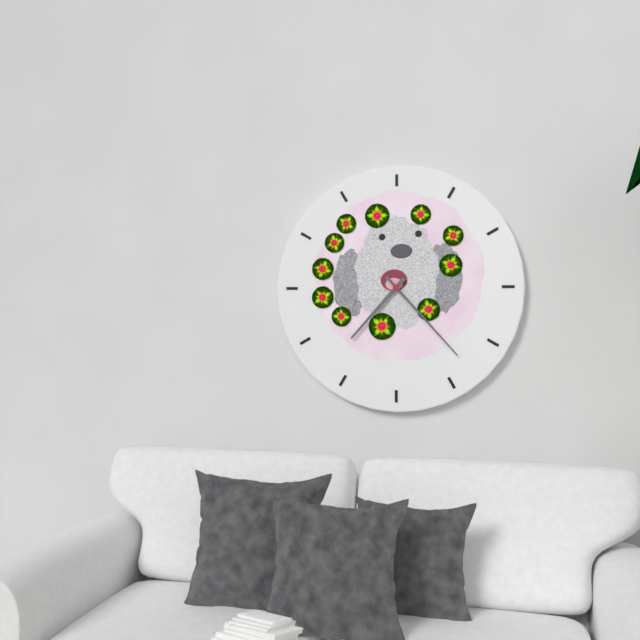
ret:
7.23
